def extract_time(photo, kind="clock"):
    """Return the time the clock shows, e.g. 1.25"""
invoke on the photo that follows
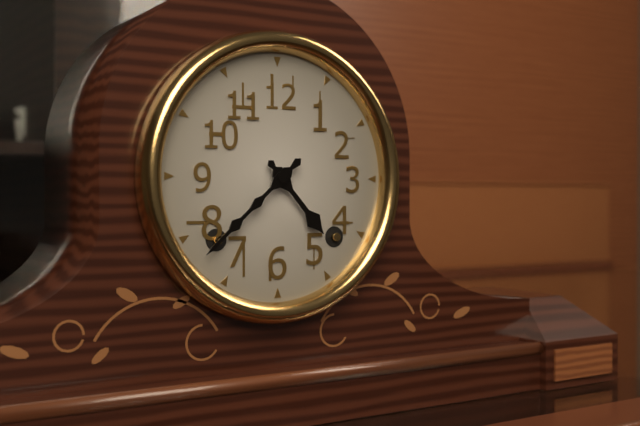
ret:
4.38
